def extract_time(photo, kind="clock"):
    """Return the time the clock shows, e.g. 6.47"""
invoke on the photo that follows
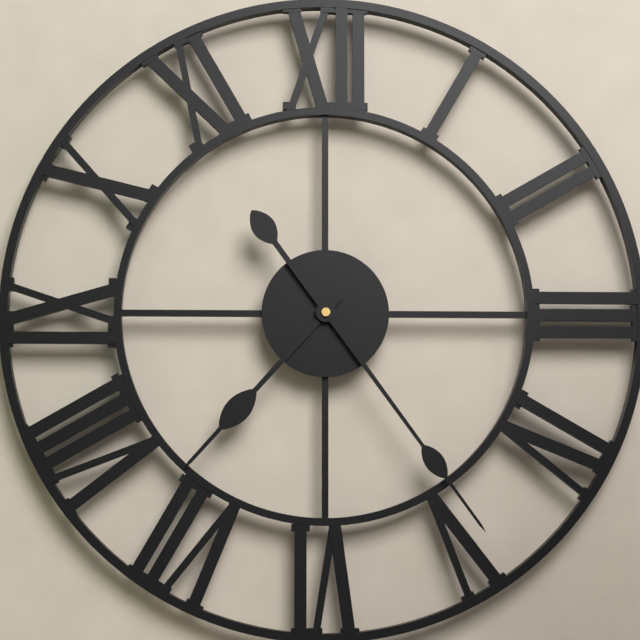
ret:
7.24
